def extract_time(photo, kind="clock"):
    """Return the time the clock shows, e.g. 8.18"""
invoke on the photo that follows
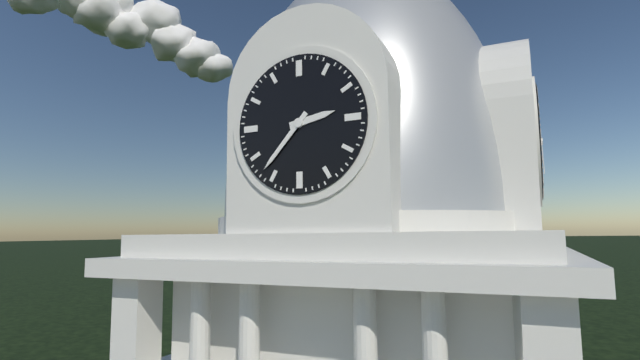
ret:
2.37
